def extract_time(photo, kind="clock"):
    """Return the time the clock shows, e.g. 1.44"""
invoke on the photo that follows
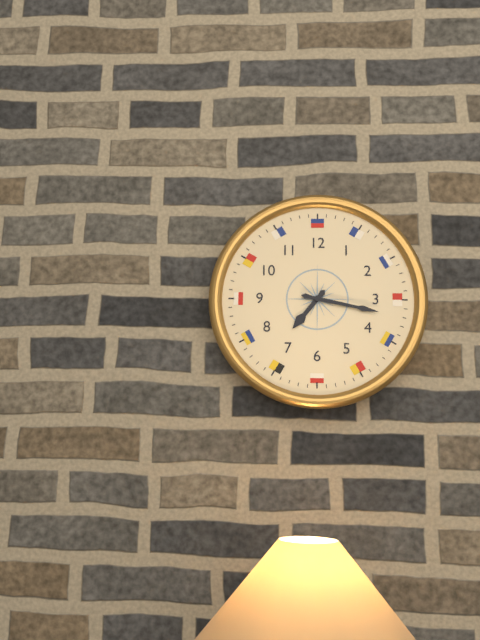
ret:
7.17
